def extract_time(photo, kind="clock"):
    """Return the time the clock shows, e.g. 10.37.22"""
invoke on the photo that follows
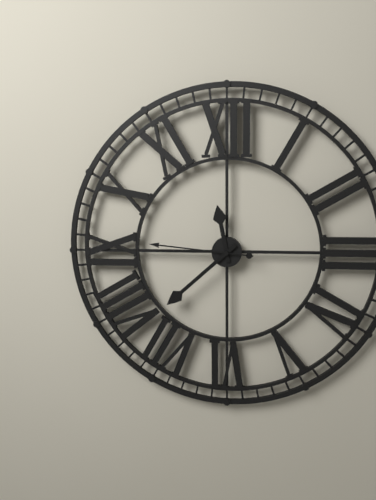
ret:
11.38.46
